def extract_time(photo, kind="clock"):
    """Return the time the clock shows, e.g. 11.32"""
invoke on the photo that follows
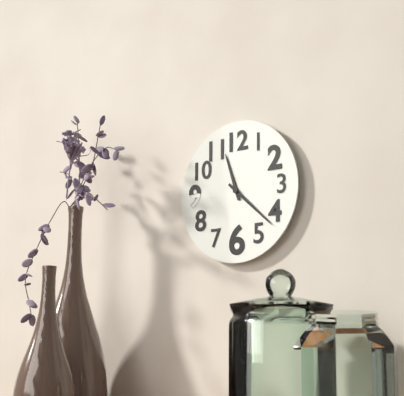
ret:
11.22
